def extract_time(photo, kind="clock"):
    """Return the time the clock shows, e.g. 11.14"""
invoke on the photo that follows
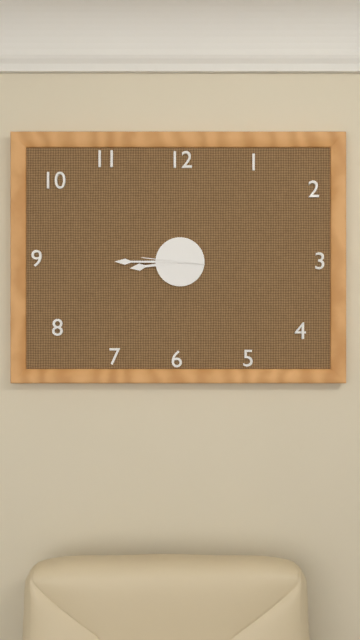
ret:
8.45
